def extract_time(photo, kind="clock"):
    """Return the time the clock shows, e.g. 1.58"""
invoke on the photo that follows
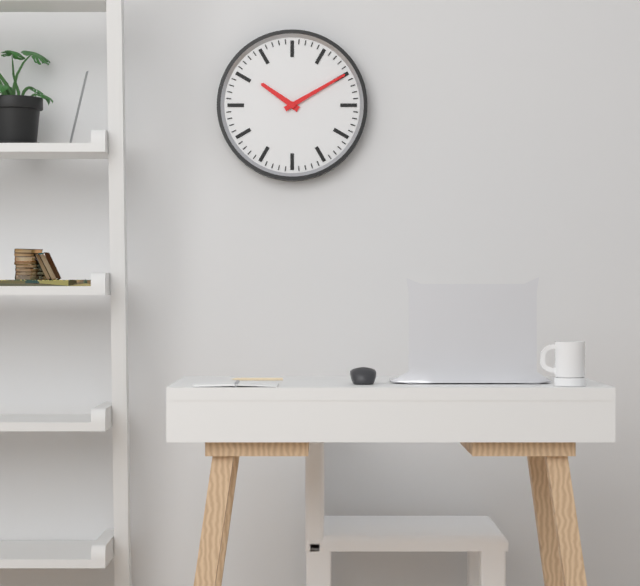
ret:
10.10
